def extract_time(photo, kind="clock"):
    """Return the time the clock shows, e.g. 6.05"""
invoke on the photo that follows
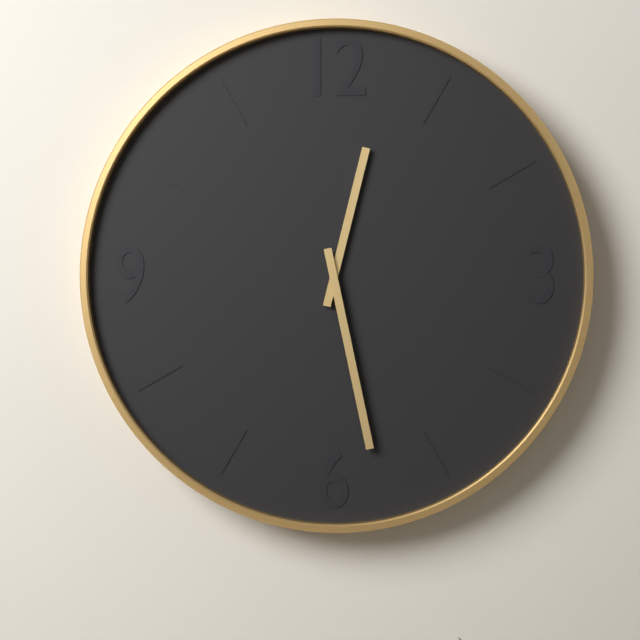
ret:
12.28
